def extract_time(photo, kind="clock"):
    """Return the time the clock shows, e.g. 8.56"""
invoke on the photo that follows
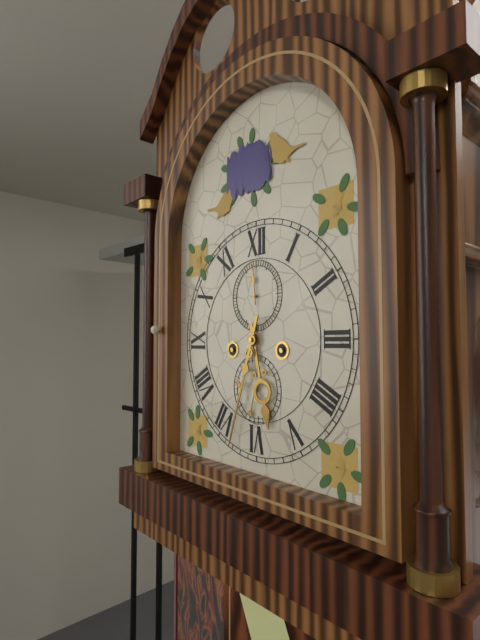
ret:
5.33
